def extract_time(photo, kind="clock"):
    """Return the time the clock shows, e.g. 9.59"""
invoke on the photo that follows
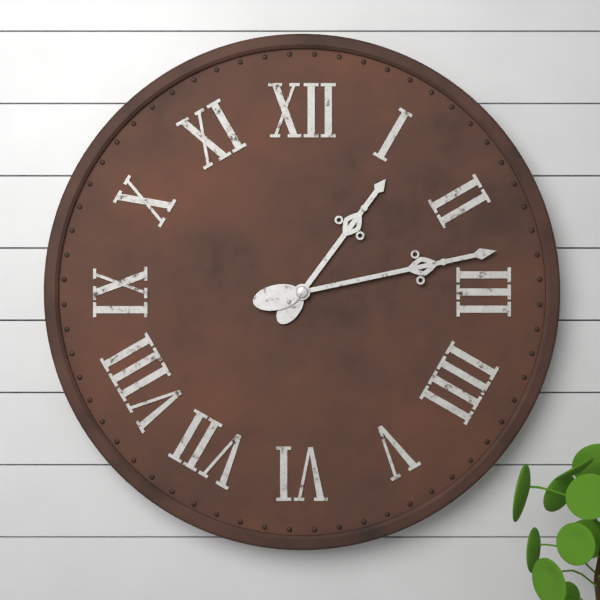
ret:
1.13
